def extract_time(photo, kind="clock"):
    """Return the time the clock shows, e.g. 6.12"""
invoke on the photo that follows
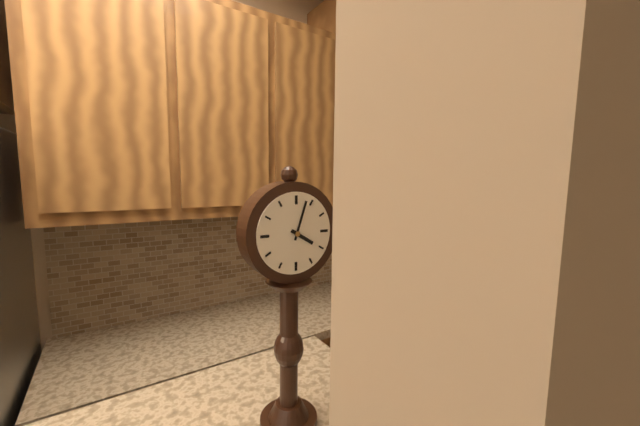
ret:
4.03
